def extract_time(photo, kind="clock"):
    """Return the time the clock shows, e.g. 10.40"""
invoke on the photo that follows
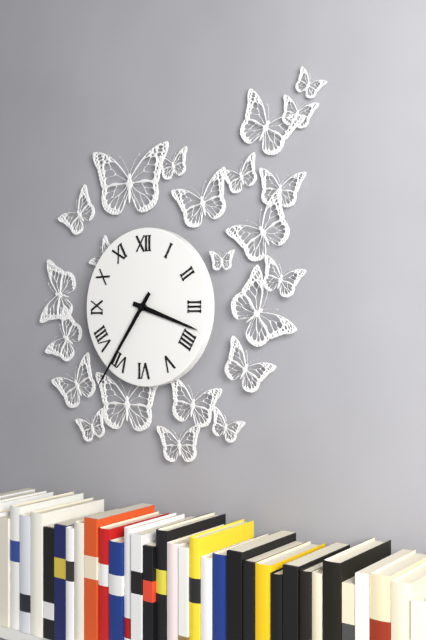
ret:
3.36
